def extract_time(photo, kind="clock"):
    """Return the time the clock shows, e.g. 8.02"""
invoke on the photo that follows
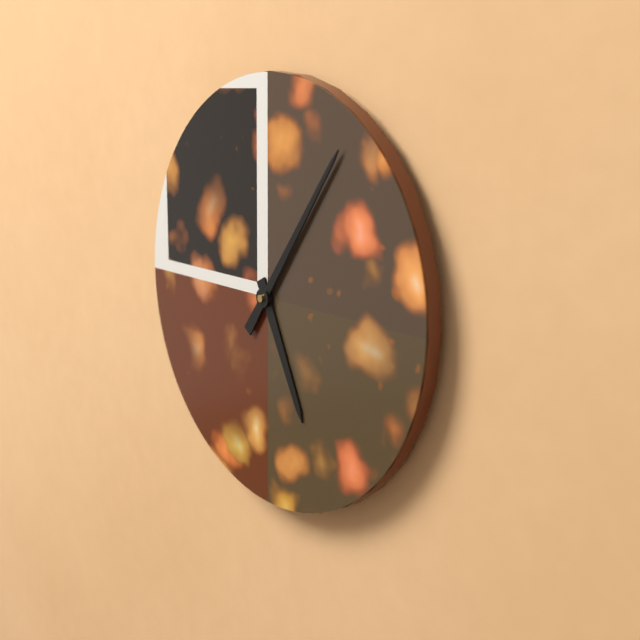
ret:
5.06
